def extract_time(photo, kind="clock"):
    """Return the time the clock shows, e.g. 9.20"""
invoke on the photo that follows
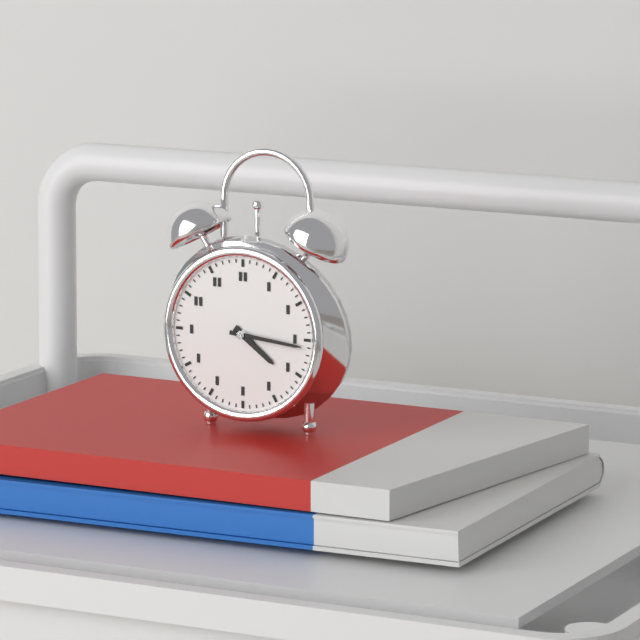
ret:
4.16
